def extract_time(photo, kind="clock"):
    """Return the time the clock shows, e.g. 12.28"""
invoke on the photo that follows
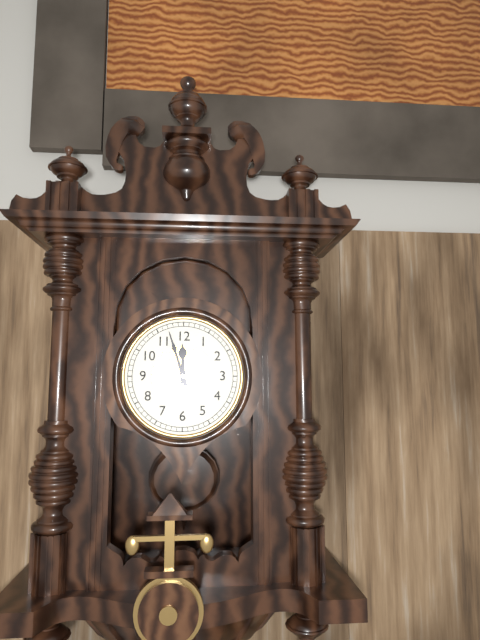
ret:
11.57
